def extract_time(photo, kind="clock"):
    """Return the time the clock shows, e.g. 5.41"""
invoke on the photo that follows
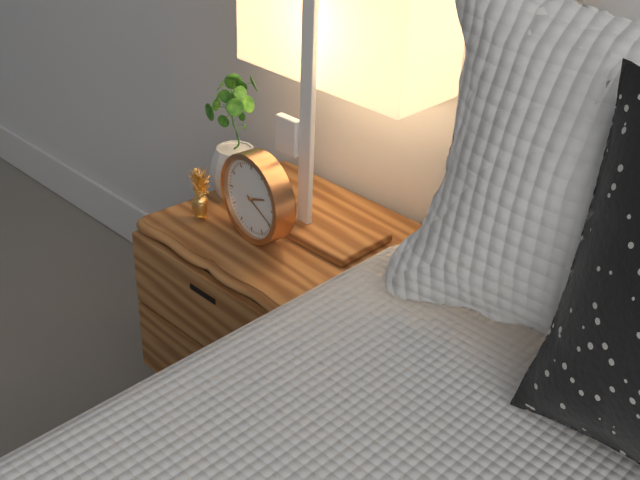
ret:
2.19
